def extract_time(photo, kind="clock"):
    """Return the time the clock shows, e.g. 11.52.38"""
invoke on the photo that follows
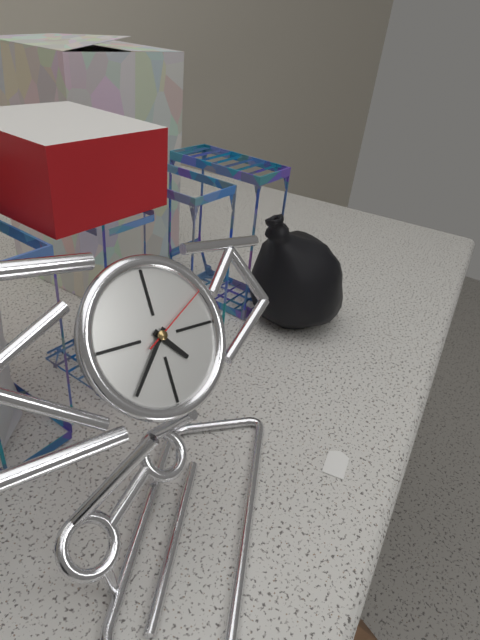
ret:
4.37.10
